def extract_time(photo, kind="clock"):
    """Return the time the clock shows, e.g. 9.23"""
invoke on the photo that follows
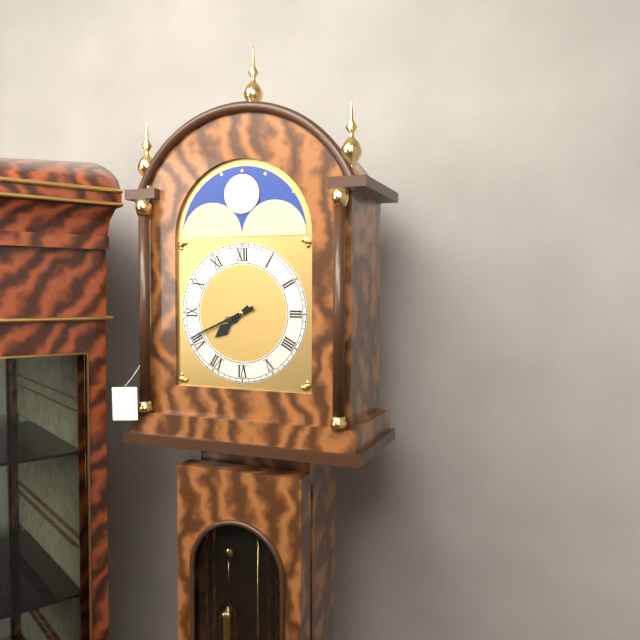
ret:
7.41
